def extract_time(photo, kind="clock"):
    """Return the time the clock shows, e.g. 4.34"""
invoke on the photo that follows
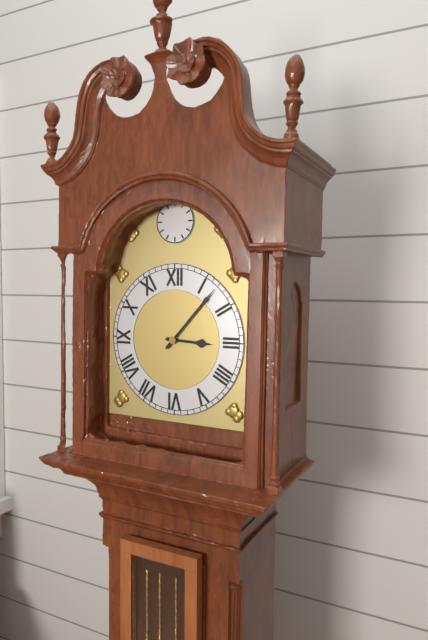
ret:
3.07
